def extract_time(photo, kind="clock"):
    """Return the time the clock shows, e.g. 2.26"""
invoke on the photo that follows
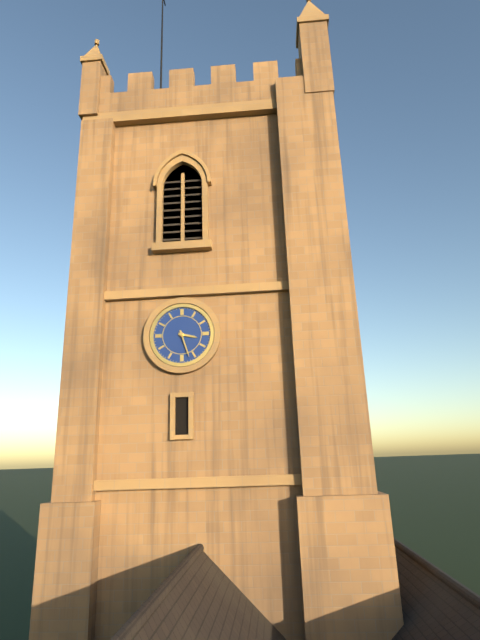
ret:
3.27
